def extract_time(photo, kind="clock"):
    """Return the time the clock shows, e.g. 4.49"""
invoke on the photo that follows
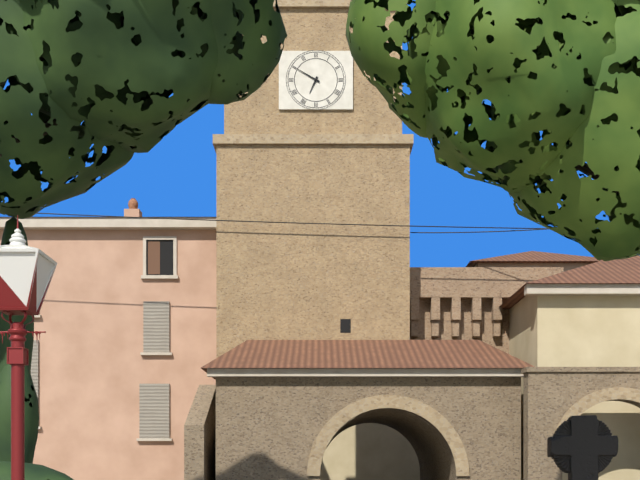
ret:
6.50
